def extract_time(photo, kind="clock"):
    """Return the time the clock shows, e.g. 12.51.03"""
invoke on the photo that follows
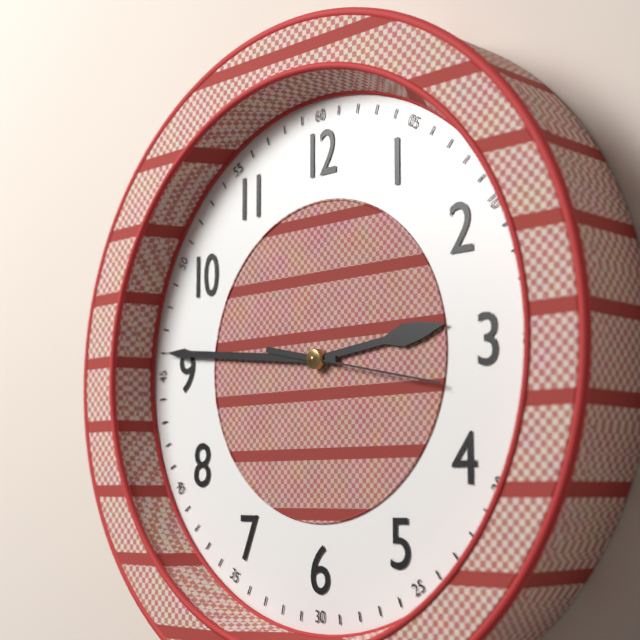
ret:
2.46.17
